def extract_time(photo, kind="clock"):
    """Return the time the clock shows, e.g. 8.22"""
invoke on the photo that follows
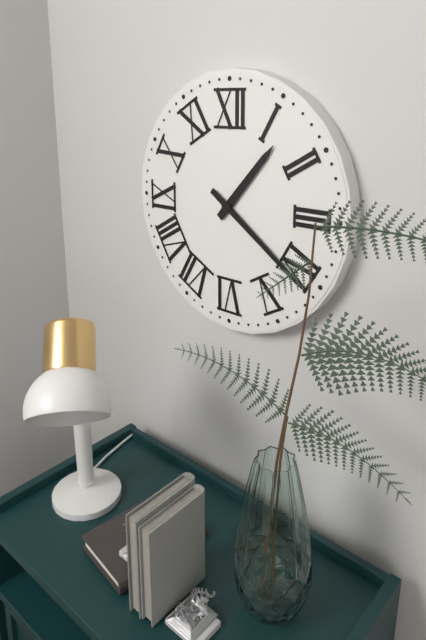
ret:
1.21
